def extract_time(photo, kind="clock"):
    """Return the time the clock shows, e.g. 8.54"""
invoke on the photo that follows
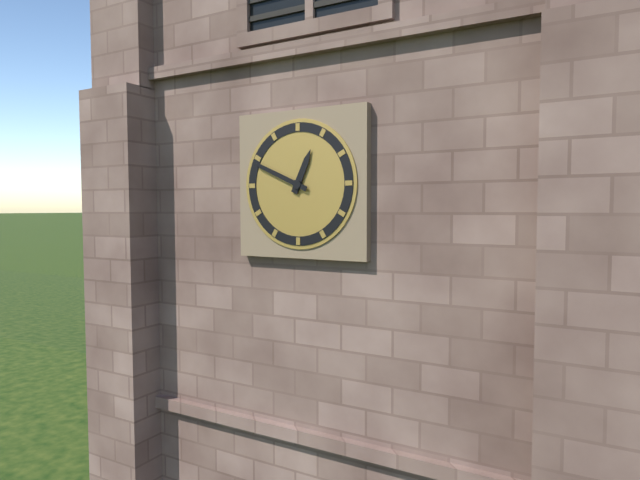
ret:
12.49
